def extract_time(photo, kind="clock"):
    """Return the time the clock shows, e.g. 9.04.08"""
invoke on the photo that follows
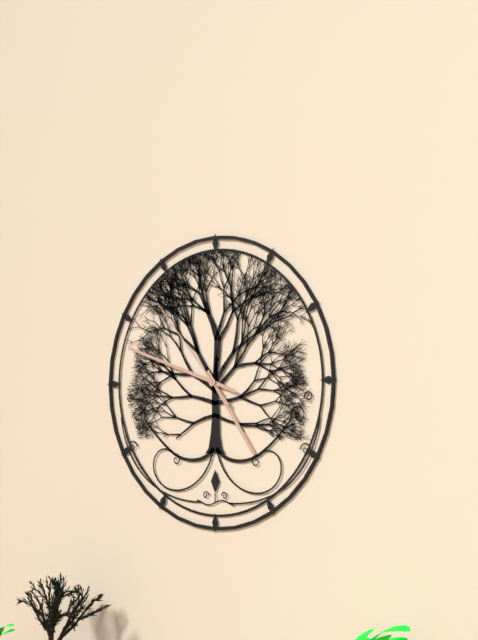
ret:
4.48.53
